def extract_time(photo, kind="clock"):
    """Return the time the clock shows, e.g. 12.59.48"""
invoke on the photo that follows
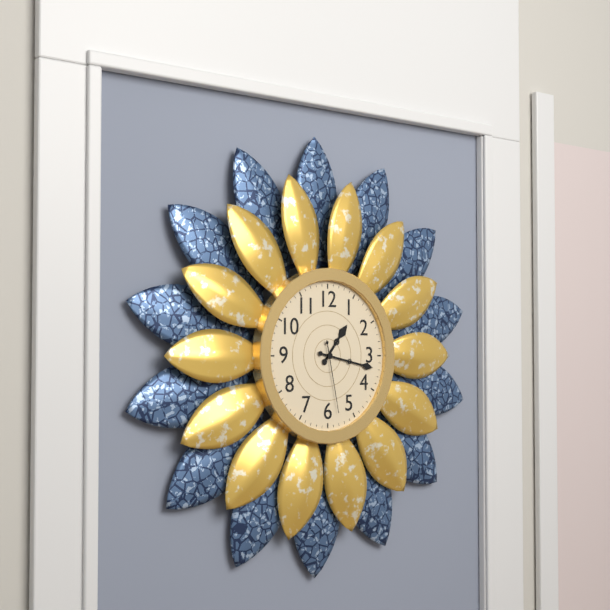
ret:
1.17.28
